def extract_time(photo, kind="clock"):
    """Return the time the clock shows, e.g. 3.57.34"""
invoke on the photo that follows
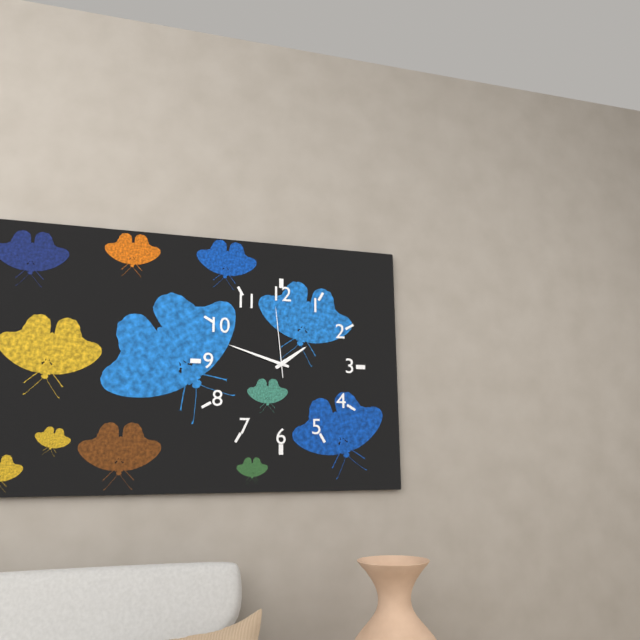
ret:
1.48.59
